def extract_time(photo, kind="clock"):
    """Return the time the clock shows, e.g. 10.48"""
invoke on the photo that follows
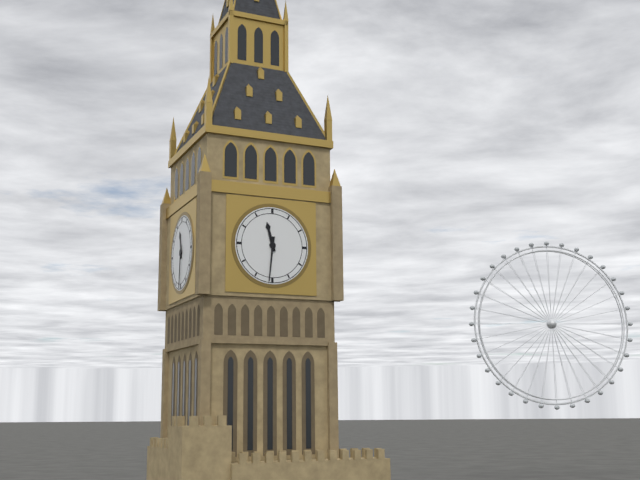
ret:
11.31
